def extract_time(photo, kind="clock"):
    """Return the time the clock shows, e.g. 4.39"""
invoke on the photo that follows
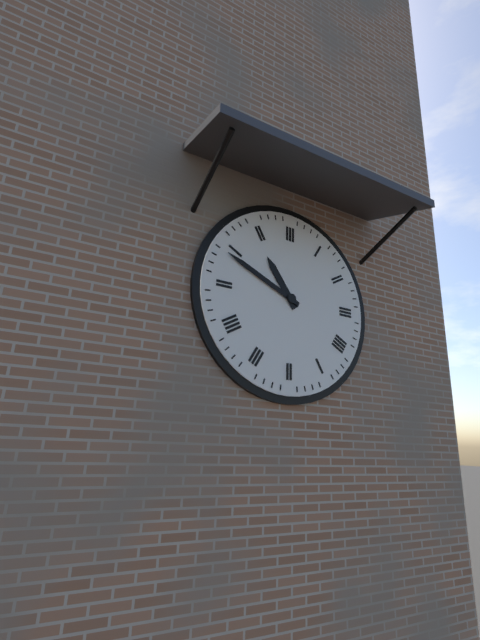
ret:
10.49
